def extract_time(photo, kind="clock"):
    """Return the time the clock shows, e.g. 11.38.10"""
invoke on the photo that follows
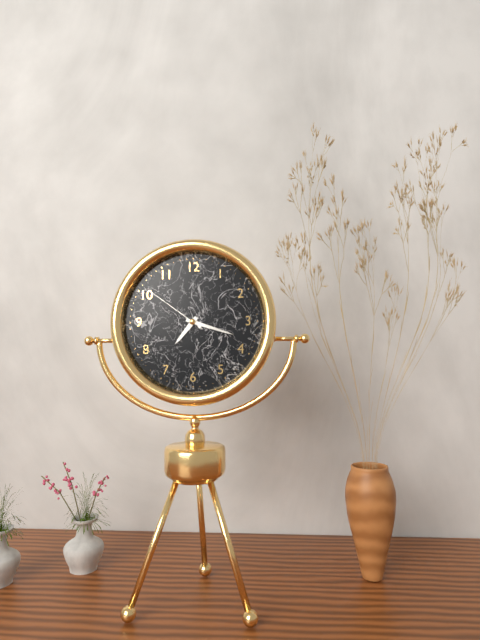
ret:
7.18.51
